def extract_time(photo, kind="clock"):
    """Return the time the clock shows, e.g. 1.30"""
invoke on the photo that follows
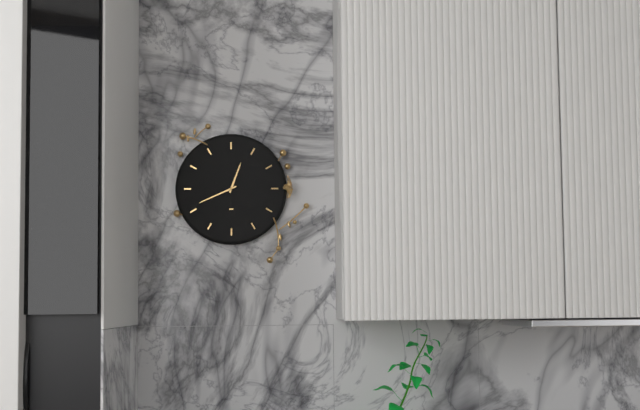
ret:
12.41
